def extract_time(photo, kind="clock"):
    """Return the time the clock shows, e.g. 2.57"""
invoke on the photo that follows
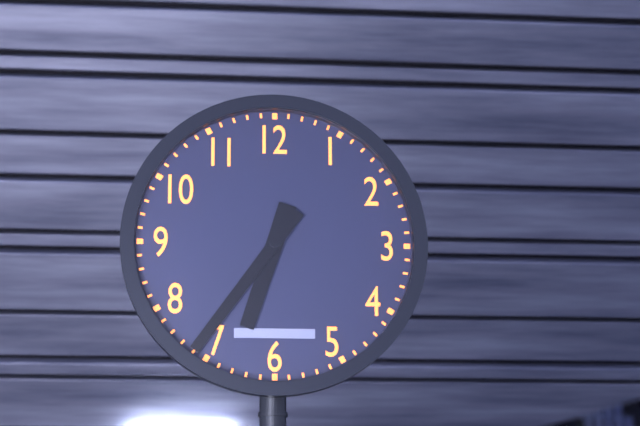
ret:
6.36
